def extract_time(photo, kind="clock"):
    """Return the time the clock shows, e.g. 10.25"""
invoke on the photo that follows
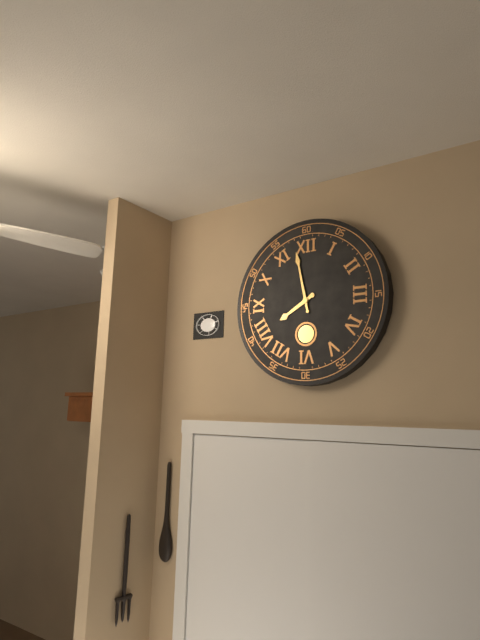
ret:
7.58
